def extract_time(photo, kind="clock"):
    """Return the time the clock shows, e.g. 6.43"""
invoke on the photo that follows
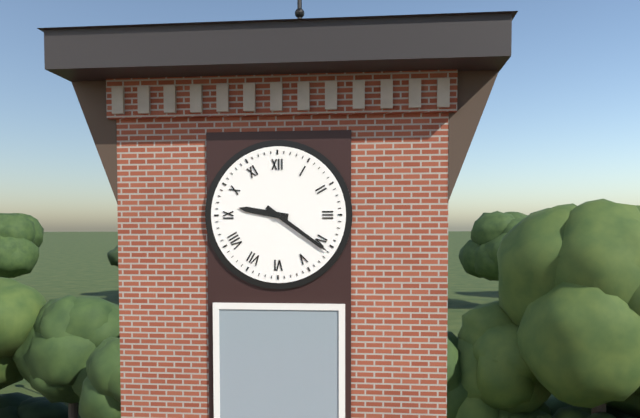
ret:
9.21
